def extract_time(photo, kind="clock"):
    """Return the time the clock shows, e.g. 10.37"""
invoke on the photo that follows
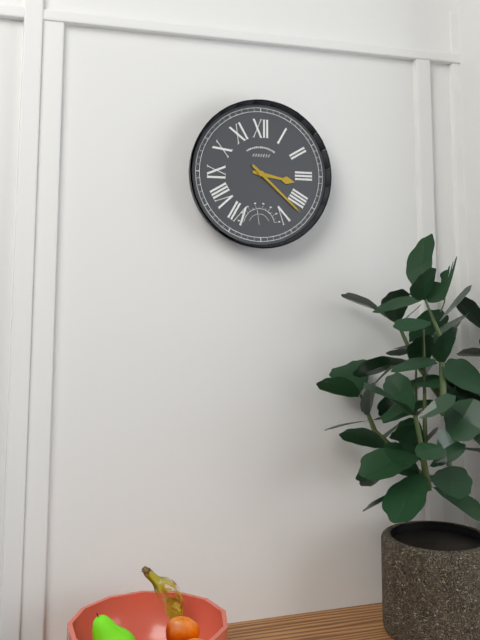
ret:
3.22
